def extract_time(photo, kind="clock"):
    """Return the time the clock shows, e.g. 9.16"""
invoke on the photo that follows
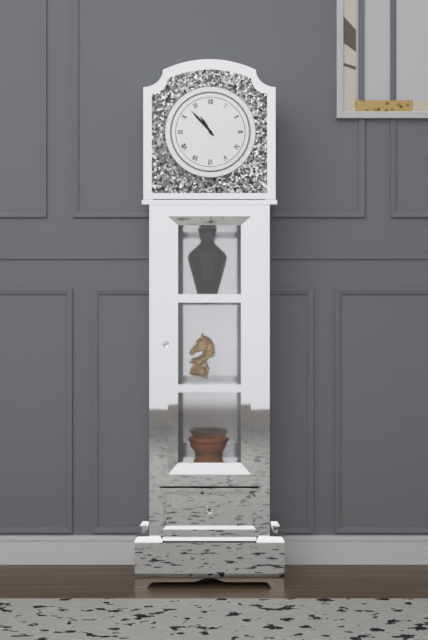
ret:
10.53
